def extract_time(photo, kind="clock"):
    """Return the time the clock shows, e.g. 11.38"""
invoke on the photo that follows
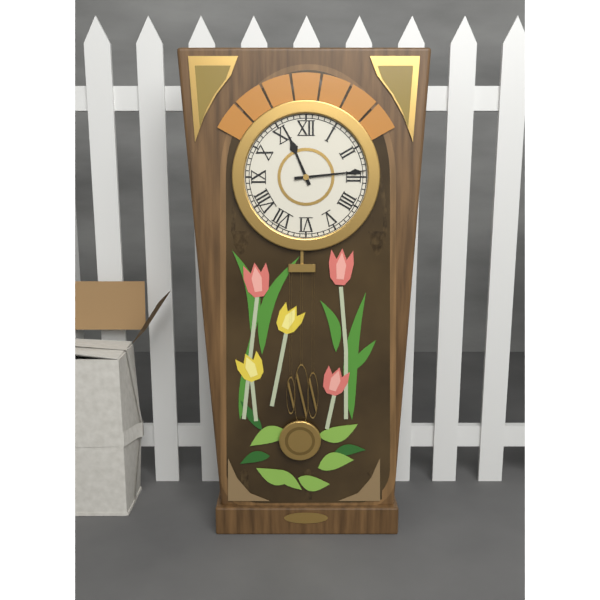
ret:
11.14
